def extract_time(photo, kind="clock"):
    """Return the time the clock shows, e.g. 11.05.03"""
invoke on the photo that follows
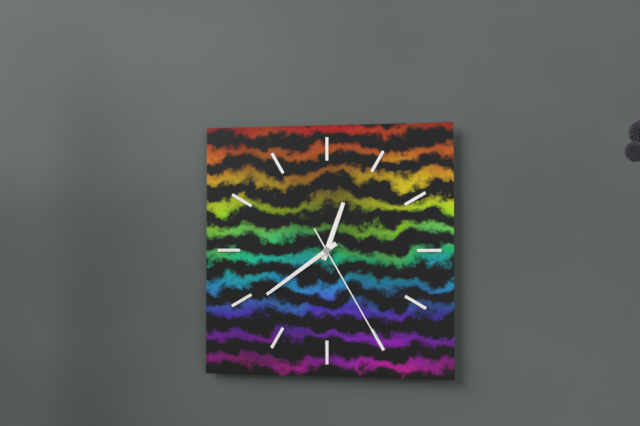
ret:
12.39.25
